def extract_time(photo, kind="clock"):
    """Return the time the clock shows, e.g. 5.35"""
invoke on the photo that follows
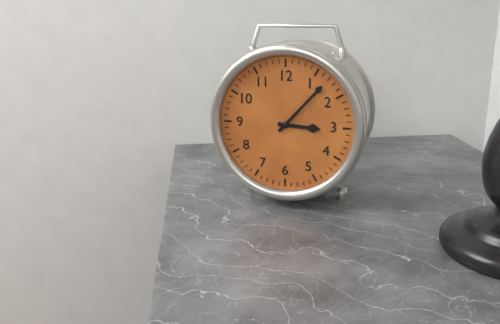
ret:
3.07
